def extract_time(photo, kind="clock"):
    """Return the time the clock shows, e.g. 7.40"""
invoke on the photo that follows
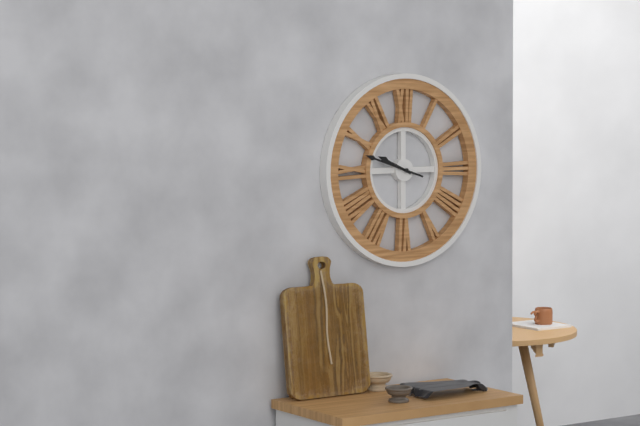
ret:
9.48
